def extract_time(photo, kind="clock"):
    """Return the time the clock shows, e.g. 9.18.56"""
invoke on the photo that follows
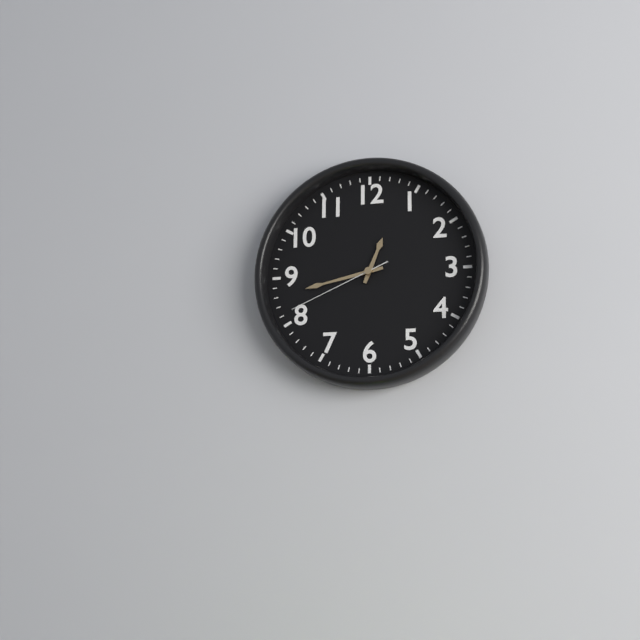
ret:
12.43.41
